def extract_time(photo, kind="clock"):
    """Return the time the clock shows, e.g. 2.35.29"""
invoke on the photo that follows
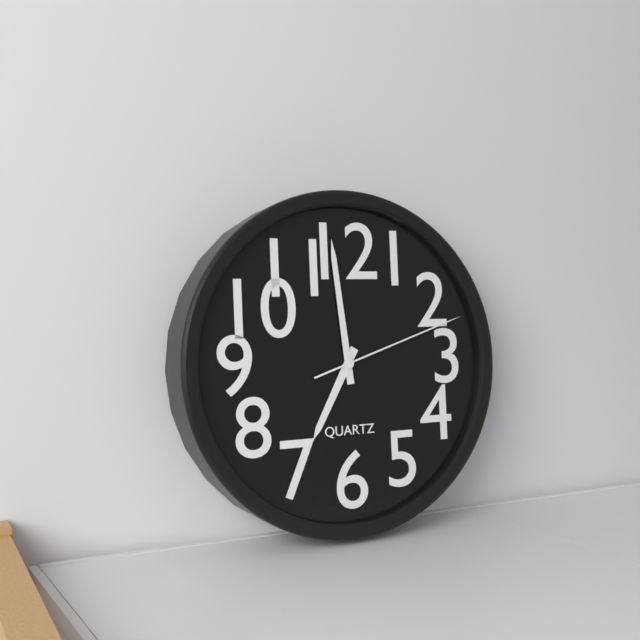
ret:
6.59.12
